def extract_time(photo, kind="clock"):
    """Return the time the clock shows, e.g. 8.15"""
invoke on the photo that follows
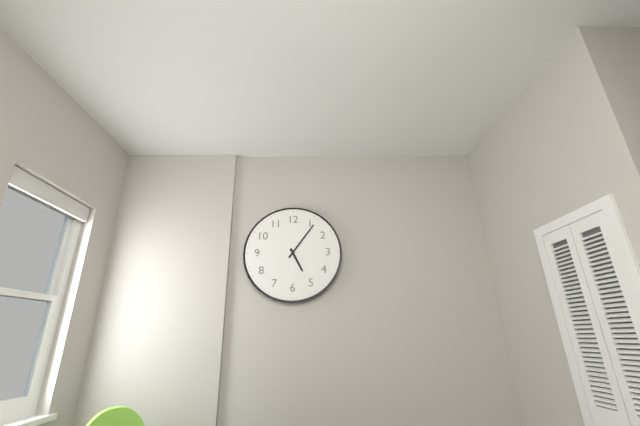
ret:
5.06
